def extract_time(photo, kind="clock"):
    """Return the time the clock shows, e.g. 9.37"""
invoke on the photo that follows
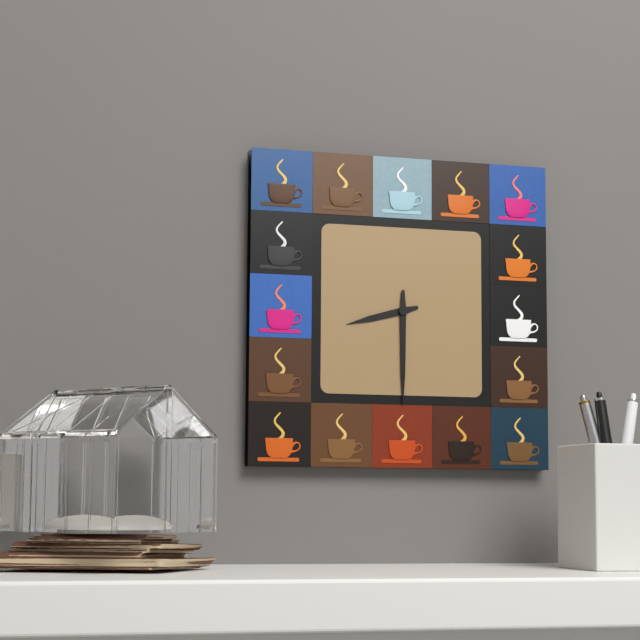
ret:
8.30
